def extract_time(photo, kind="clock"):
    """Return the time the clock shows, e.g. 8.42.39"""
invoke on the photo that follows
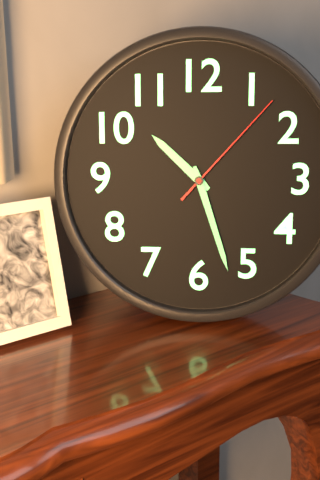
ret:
10.27.07
